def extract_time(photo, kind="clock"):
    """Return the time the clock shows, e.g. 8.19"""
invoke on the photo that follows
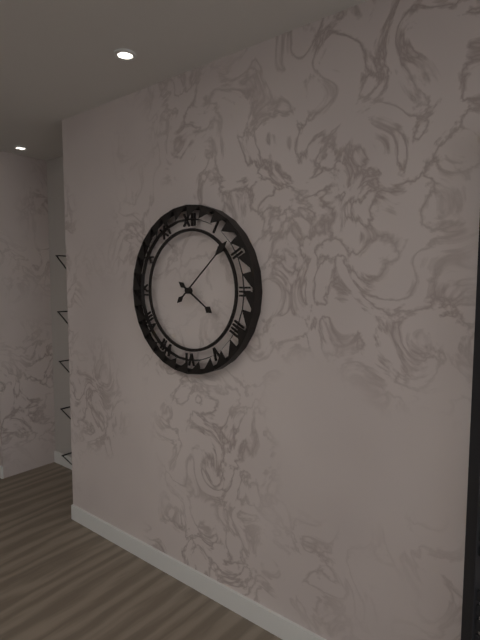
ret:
4.08
